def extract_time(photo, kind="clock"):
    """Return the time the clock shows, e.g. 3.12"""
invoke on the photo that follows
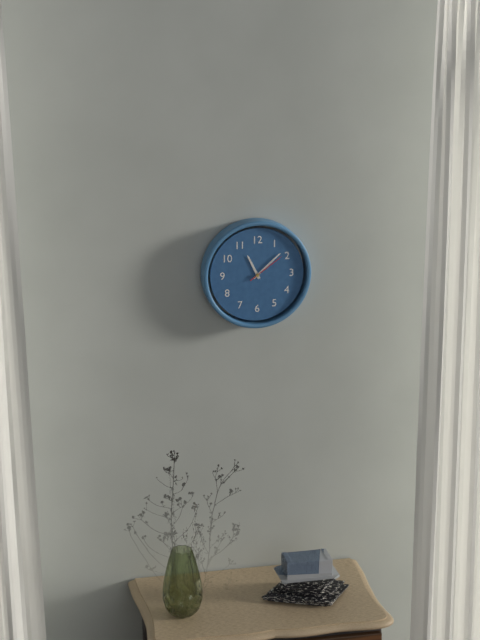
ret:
11.08
